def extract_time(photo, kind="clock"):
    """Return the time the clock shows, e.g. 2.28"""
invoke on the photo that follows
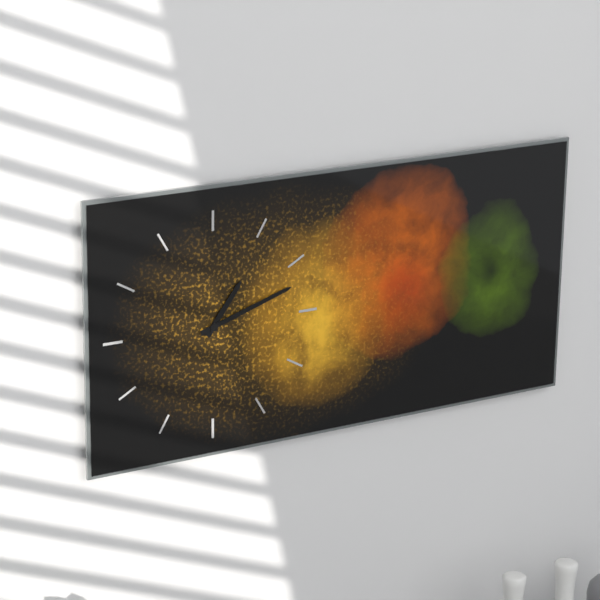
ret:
1.12
